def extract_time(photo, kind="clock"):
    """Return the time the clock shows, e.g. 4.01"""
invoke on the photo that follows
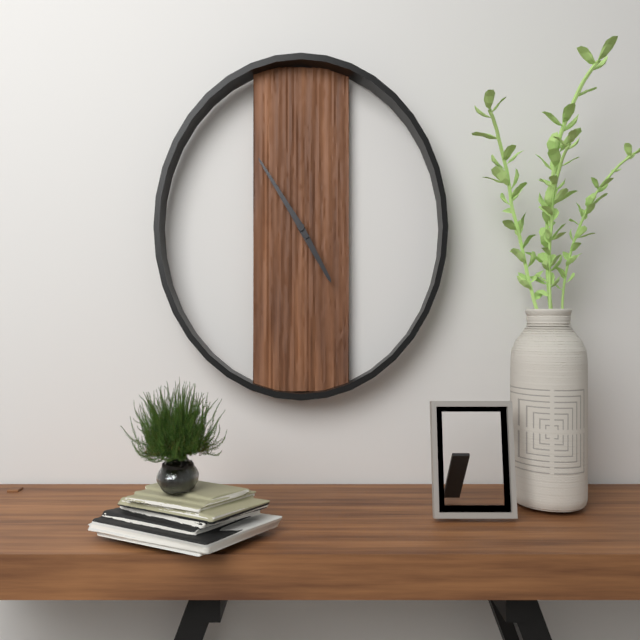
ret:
4.54
